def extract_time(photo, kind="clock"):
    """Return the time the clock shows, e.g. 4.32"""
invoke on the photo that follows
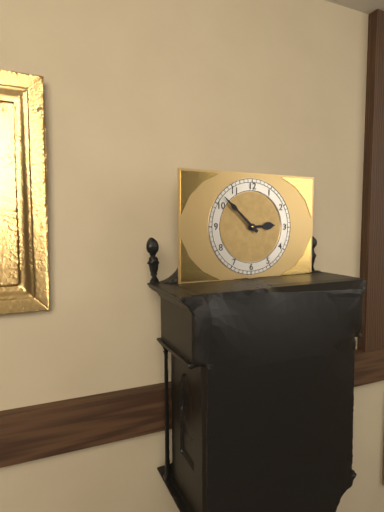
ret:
2.52
